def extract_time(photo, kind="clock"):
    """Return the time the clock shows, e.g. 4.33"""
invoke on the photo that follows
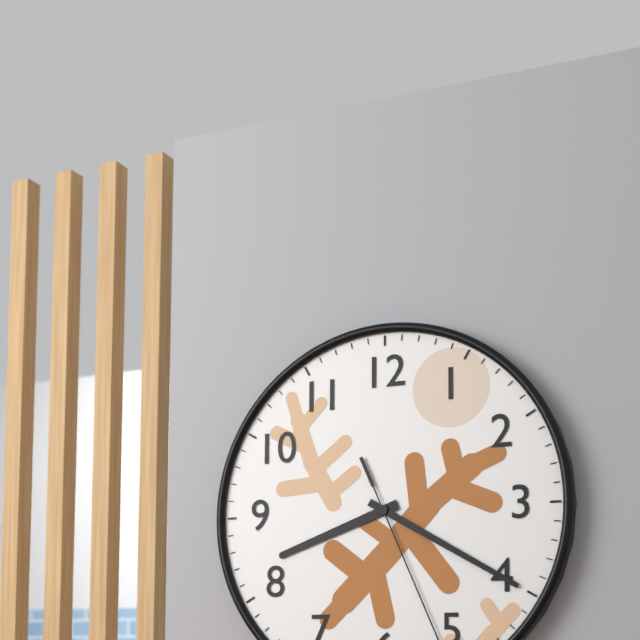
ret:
8.20
